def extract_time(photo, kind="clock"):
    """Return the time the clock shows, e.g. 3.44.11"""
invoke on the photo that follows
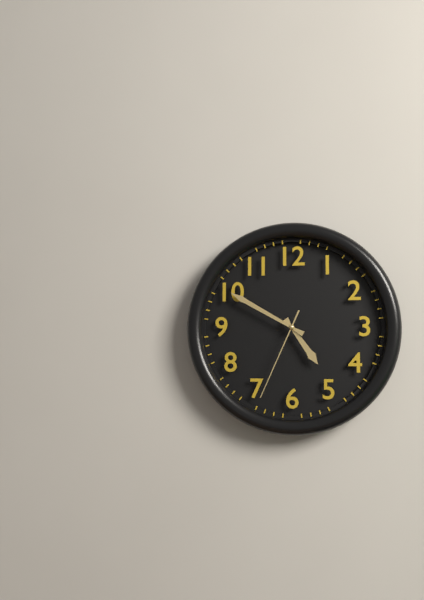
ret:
4.50.34
